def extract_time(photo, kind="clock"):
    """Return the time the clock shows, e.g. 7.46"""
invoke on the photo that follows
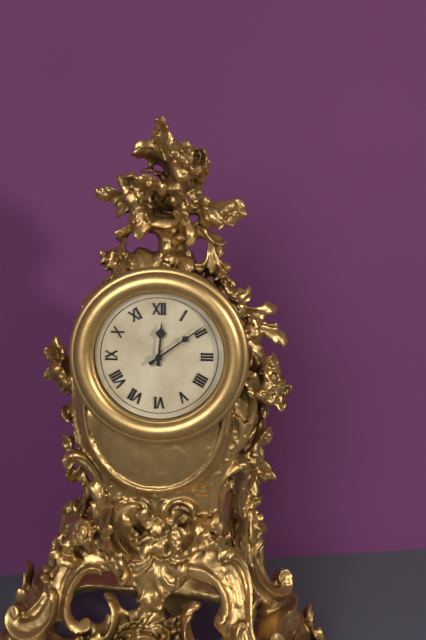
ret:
12.09
